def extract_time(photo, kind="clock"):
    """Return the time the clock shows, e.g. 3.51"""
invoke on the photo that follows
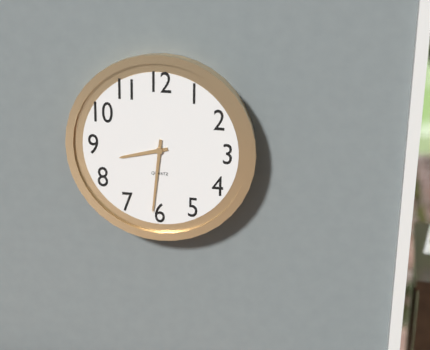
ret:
8.31
